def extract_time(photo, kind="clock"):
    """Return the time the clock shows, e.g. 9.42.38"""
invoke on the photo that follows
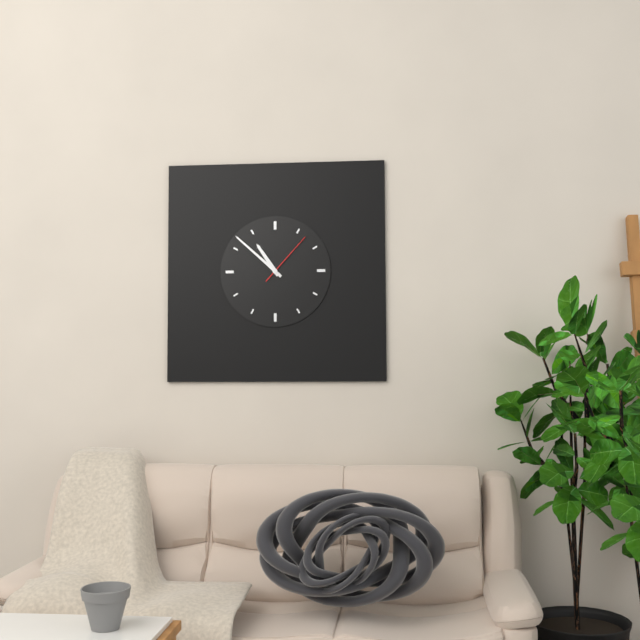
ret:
10.52.07
